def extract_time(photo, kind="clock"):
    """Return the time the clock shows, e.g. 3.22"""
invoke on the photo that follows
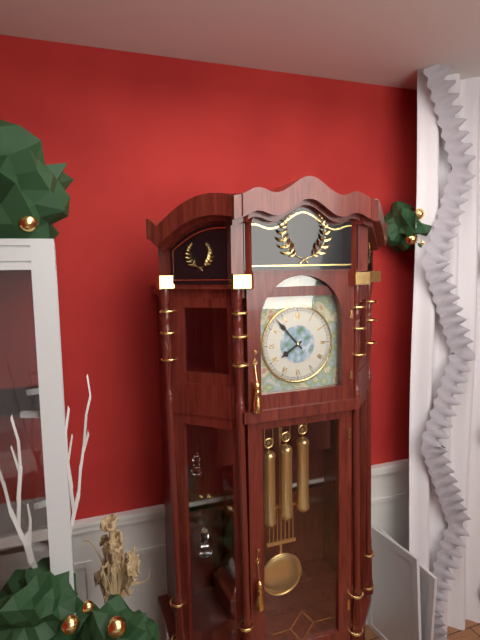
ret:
7.53
